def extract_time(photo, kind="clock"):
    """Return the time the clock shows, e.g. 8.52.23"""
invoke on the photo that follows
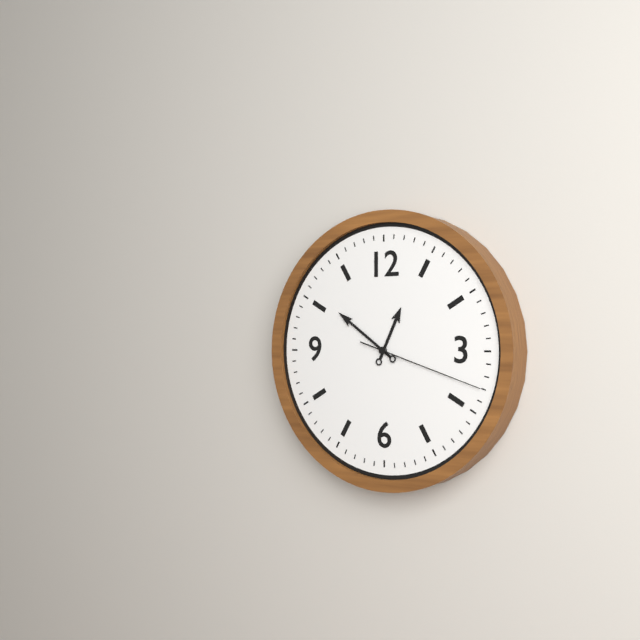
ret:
12.51.18
